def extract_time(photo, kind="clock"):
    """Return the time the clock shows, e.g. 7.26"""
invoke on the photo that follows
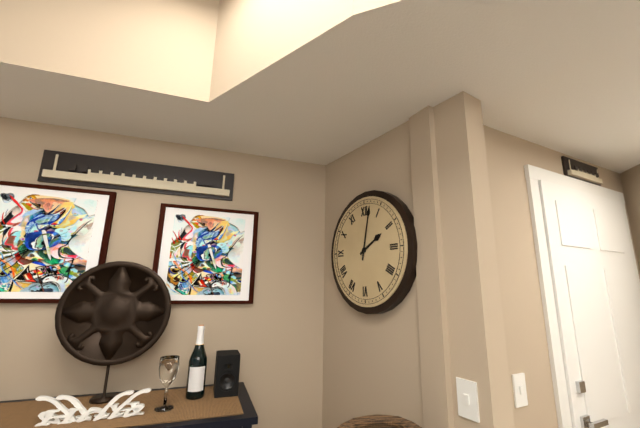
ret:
2.02
